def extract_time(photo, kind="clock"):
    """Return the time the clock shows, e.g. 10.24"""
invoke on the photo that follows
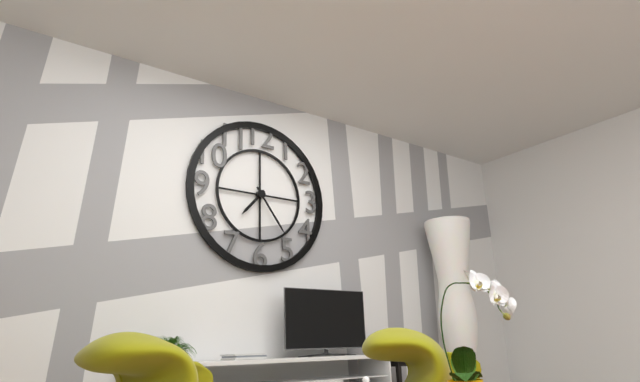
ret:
7.24
